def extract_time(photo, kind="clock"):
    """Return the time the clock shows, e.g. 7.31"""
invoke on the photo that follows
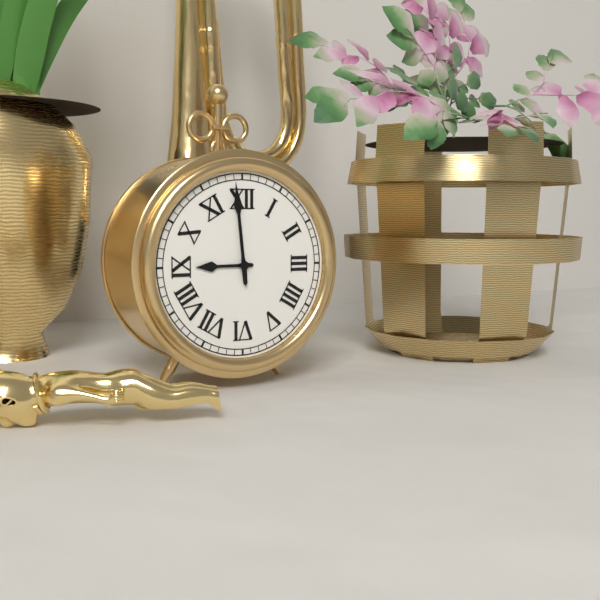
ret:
8.59
